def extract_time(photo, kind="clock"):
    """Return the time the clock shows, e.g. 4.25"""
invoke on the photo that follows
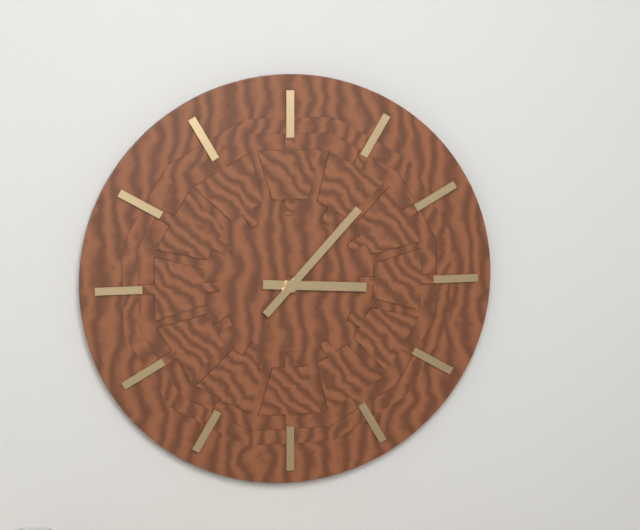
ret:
3.07
